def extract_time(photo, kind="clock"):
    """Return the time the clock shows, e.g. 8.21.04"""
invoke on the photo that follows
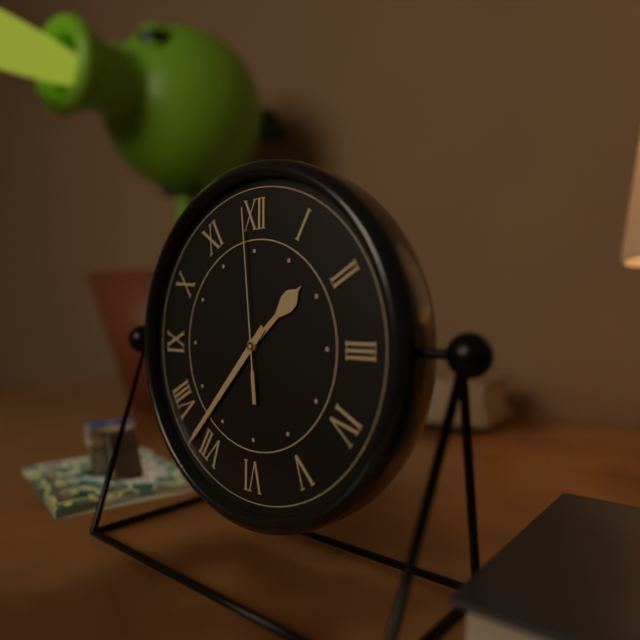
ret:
1.37.59
